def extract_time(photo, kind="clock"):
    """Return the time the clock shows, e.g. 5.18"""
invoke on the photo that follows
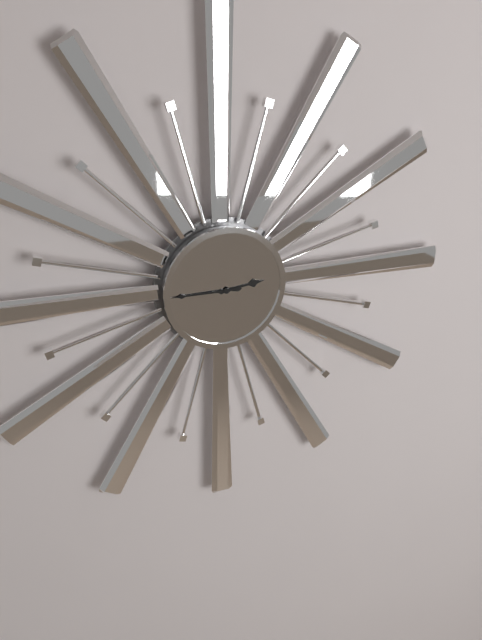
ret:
2.45
